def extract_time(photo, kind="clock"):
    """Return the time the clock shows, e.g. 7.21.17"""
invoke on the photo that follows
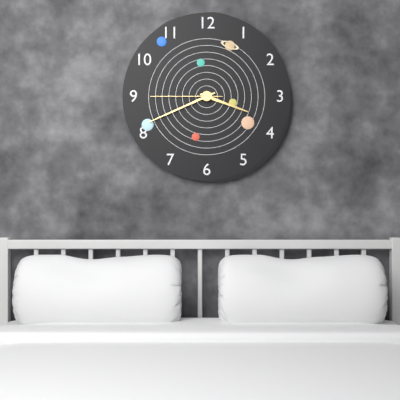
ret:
3.41.45
